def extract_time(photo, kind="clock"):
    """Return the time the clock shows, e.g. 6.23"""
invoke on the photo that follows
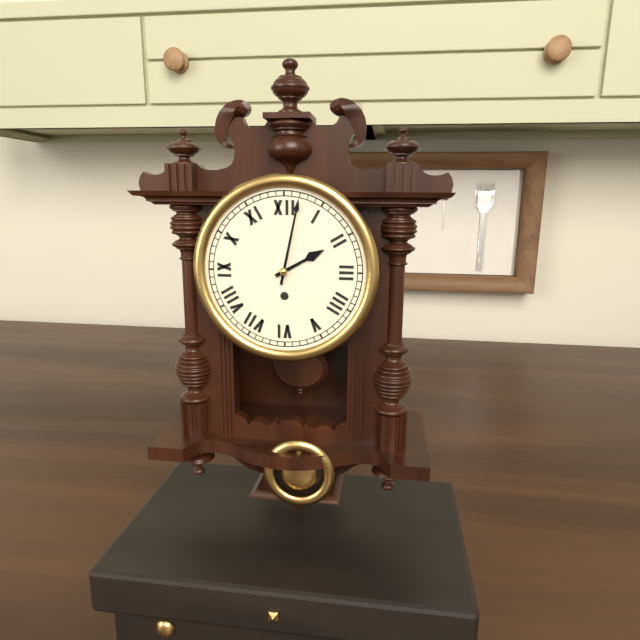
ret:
2.02
